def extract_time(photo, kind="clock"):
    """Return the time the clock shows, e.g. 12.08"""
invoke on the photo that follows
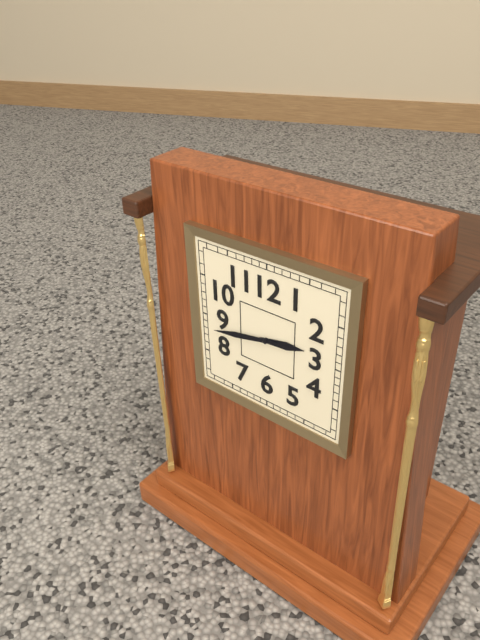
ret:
2.43
